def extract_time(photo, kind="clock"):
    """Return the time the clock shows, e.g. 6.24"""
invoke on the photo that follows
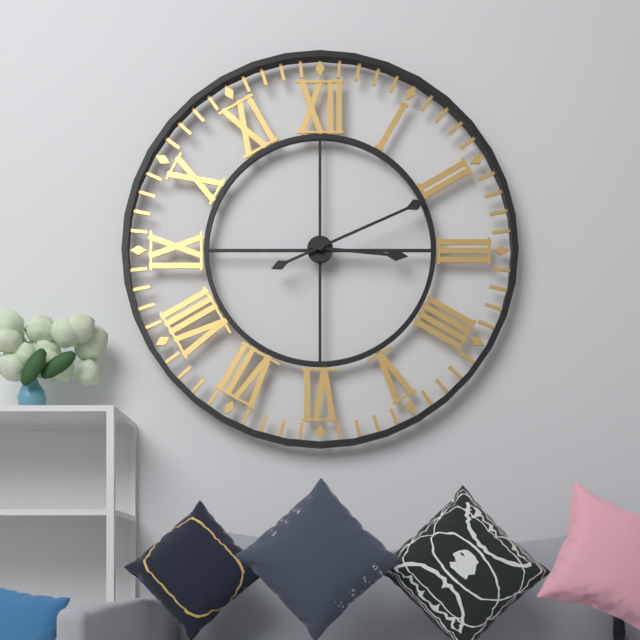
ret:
3.11
